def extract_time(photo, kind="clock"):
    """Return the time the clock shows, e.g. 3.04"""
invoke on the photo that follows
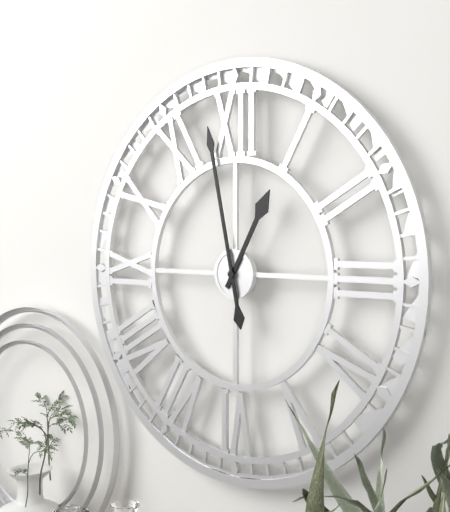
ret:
12.58
